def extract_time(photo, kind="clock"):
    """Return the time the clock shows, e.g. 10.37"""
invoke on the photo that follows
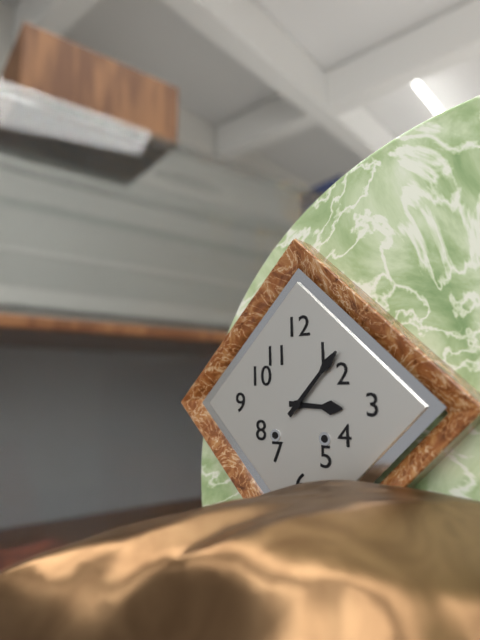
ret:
3.07
